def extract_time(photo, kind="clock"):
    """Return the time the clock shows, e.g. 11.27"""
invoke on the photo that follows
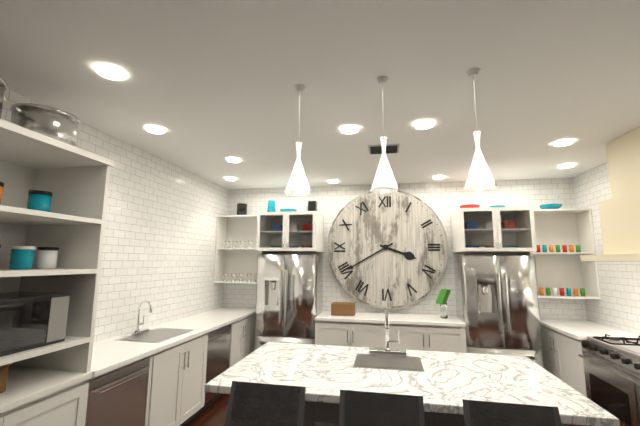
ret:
3.40
